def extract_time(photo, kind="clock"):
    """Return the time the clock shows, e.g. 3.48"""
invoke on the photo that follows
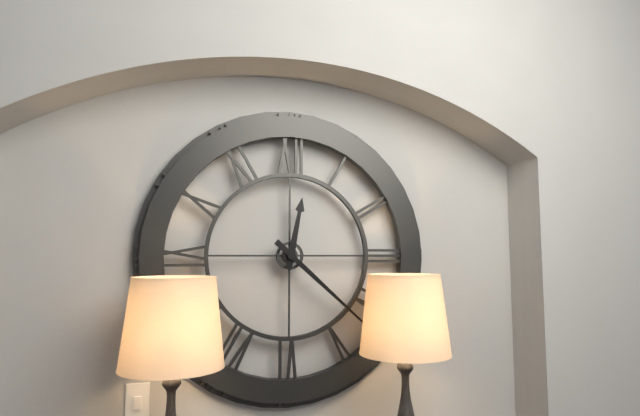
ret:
12.22
